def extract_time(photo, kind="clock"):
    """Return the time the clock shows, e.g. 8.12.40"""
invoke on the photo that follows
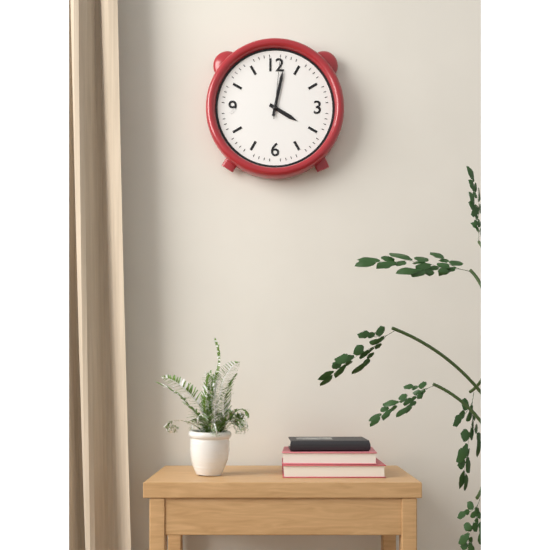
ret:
4.02.01
